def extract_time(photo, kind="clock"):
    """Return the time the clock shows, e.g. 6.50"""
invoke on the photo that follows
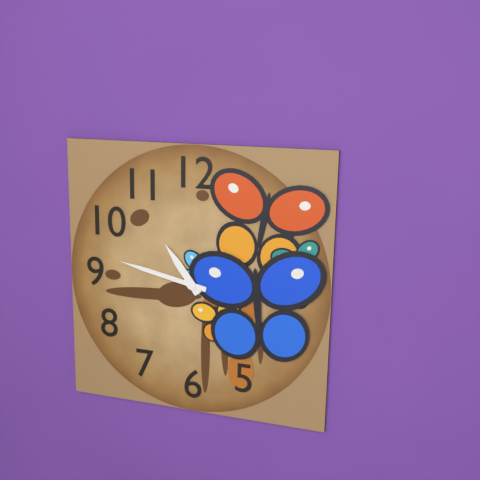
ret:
10.47
